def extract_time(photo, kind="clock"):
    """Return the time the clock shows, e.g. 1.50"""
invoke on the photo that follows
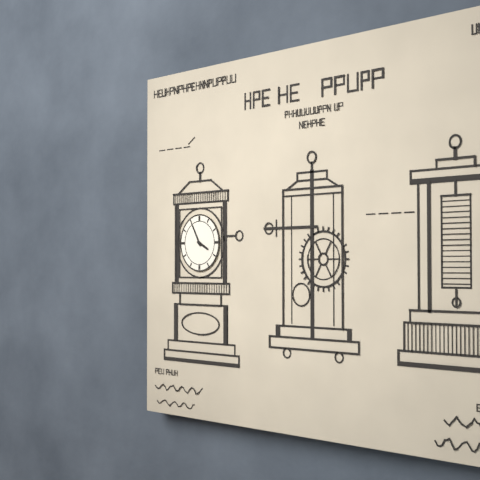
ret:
3.55
